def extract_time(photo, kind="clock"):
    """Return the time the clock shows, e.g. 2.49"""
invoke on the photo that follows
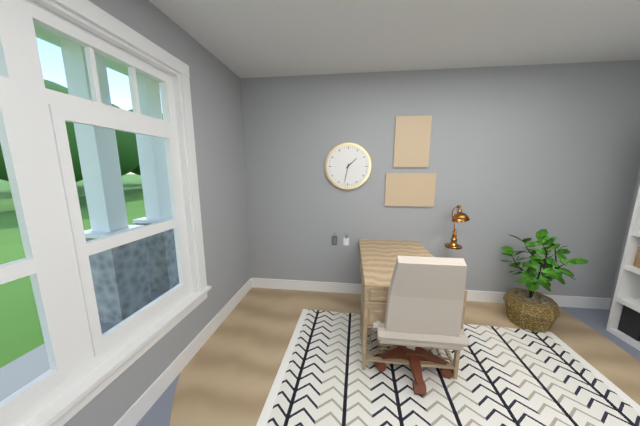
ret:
1.32
